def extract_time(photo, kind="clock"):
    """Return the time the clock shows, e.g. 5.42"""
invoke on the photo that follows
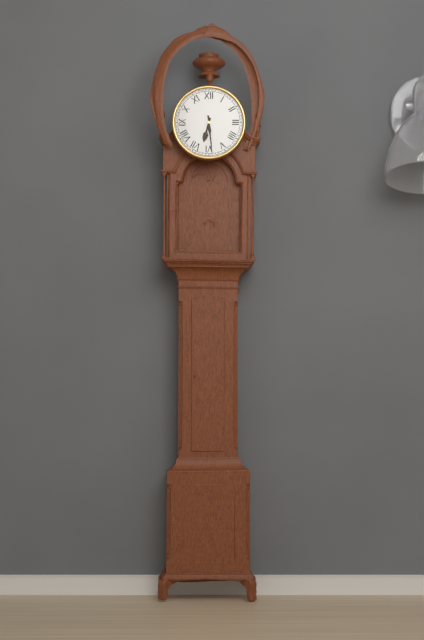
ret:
6.29
